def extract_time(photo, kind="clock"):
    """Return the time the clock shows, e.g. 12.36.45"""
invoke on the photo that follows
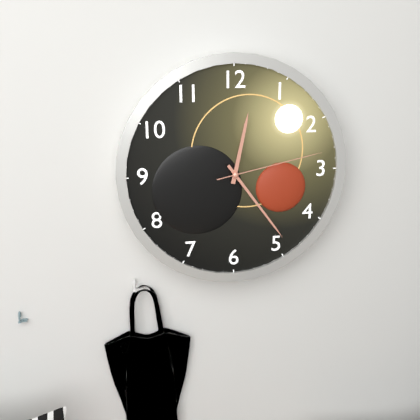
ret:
12.24.13
